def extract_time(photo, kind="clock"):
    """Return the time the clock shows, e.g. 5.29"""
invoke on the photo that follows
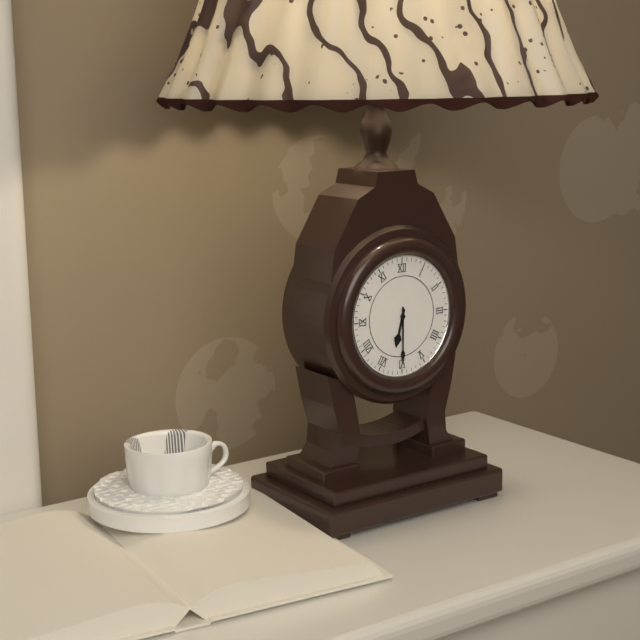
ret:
6.30
